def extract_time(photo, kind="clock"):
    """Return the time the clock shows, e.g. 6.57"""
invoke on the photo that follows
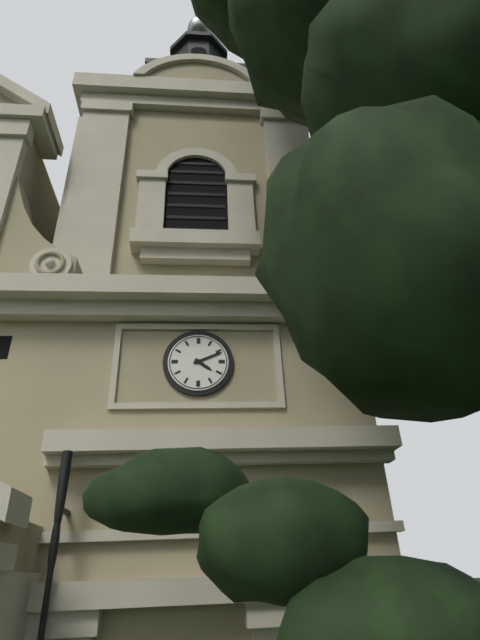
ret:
4.11
